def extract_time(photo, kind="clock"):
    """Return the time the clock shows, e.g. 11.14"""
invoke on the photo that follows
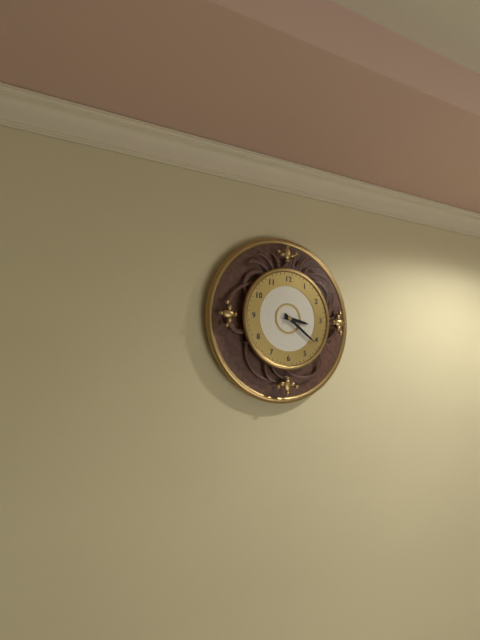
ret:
3.21
